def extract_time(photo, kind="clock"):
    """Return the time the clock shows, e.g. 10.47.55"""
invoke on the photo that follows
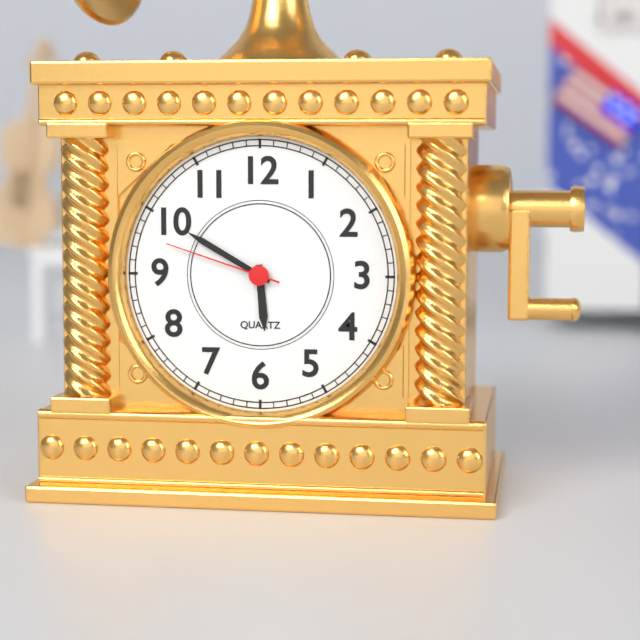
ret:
5.50.48
